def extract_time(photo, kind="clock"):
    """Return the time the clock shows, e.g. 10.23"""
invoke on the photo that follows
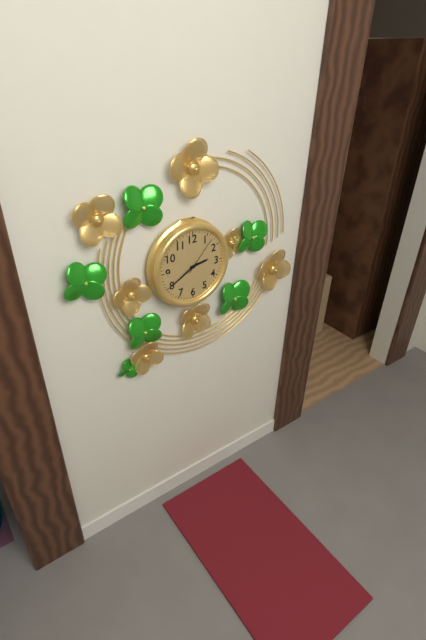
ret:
2.40
